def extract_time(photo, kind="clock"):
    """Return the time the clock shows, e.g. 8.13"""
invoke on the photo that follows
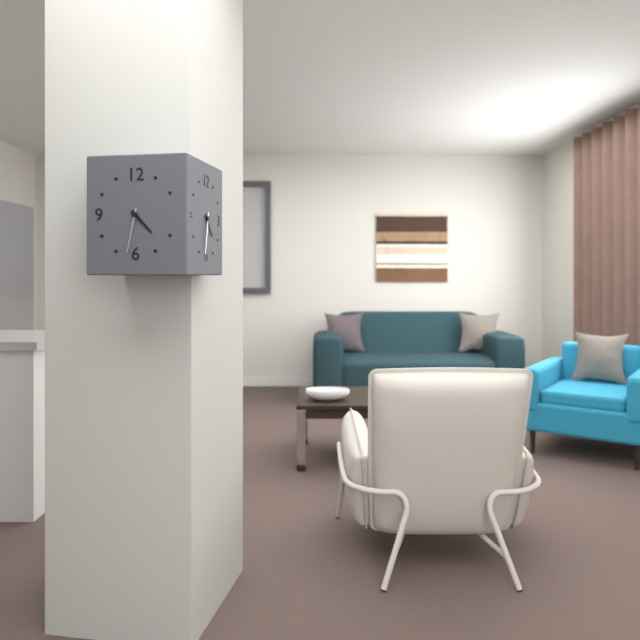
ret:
4.32
